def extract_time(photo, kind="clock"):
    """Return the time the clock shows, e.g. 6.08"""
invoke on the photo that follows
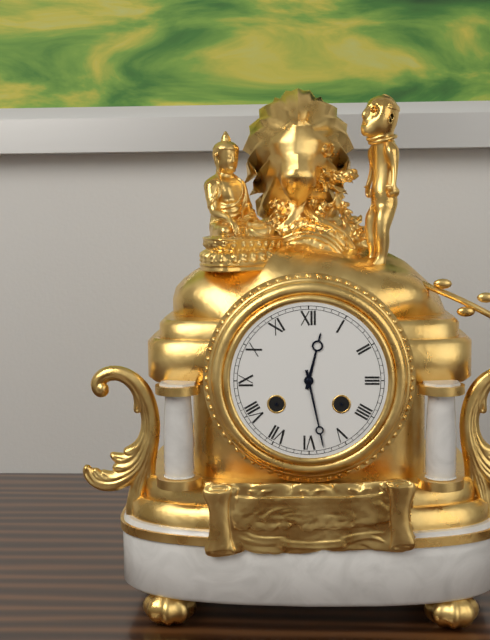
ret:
12.28
